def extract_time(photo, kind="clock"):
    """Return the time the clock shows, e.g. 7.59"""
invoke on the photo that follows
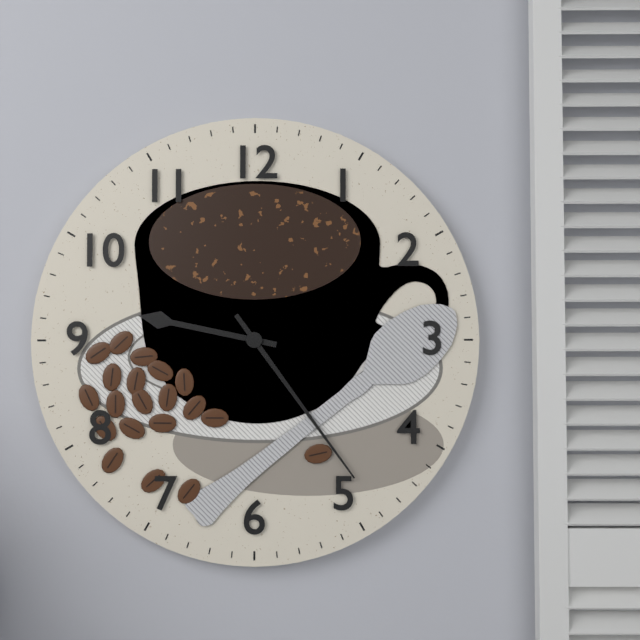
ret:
9.24
